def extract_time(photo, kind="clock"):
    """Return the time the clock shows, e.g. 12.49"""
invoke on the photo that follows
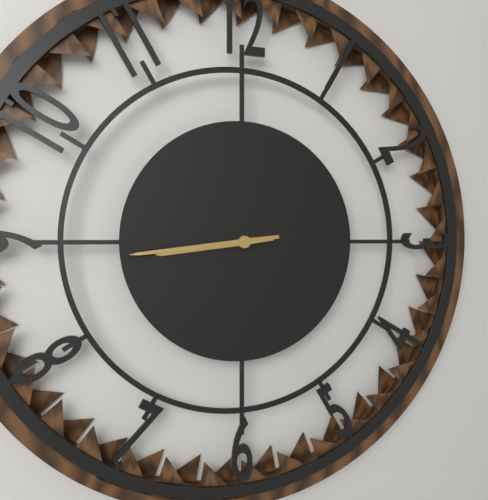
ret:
8.44
